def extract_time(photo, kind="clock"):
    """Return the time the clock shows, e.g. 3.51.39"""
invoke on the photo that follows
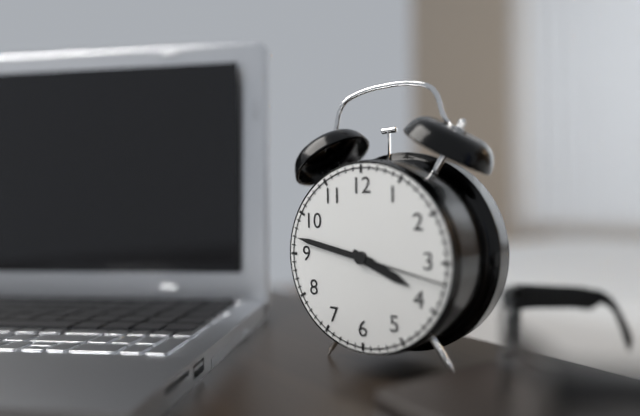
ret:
3.47.17
